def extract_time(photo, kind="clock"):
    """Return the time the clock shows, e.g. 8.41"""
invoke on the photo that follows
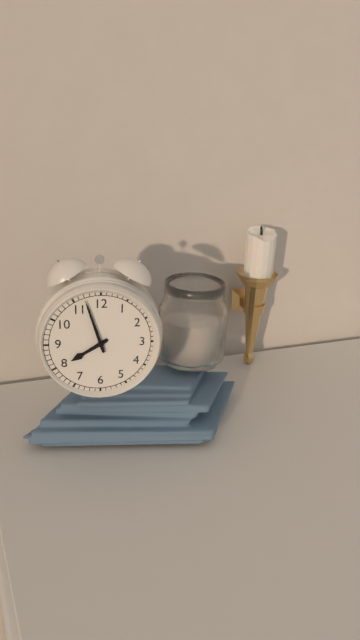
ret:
7.57
